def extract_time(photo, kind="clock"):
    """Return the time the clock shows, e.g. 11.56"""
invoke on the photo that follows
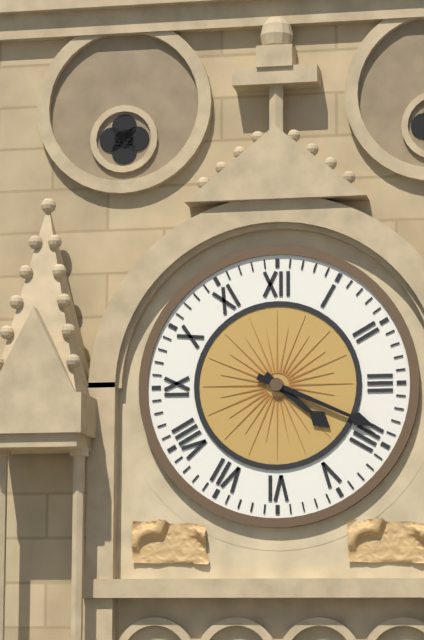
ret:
4.19
